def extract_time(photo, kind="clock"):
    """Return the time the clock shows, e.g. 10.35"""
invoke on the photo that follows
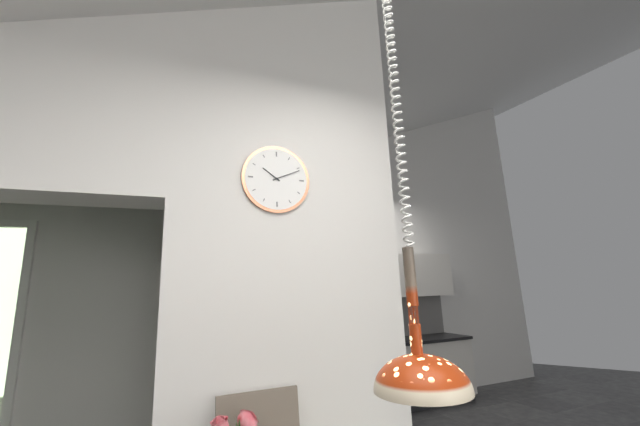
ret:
10.11
